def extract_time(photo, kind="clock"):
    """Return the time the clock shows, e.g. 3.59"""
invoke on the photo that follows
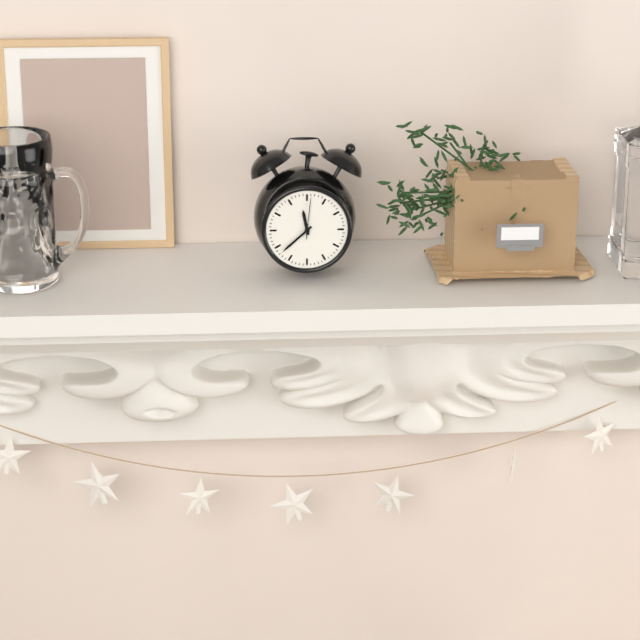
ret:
11.38
